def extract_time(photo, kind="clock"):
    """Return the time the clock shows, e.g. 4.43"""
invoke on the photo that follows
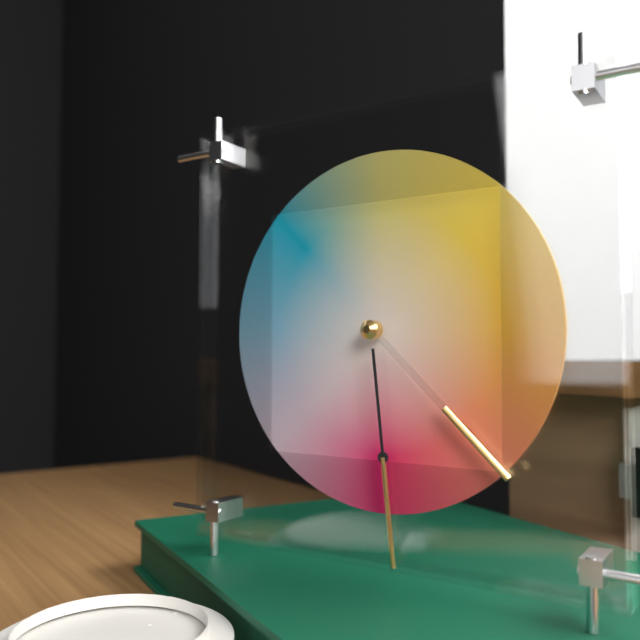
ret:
4.29
